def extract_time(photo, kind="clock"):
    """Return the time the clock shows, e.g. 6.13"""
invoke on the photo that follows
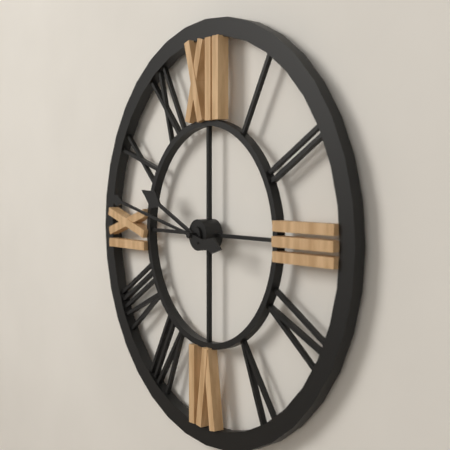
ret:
9.47
